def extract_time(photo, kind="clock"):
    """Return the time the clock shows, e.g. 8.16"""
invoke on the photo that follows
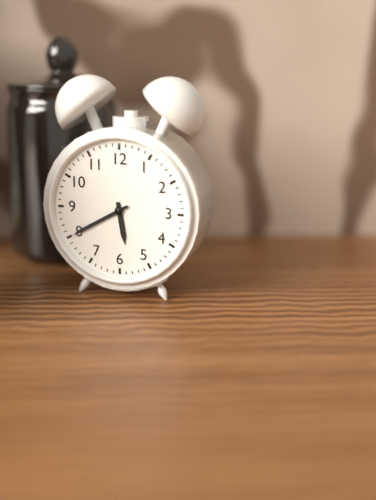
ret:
5.40
